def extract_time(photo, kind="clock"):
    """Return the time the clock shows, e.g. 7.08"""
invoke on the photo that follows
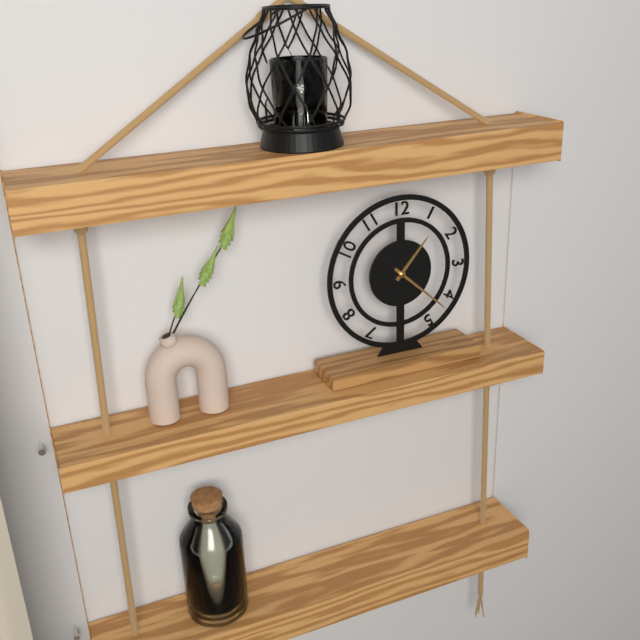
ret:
1.22
